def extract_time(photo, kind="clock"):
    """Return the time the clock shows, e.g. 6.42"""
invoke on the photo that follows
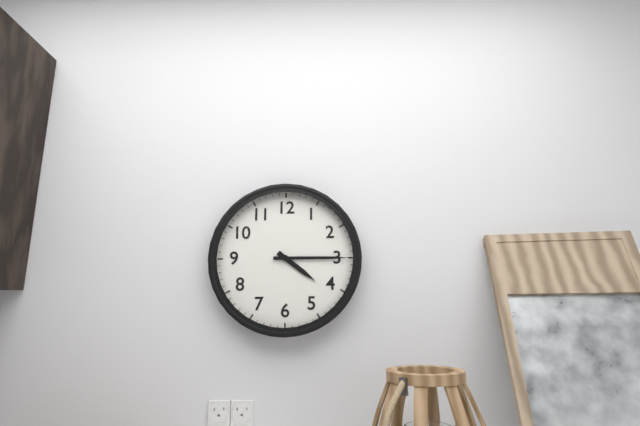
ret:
4.15
